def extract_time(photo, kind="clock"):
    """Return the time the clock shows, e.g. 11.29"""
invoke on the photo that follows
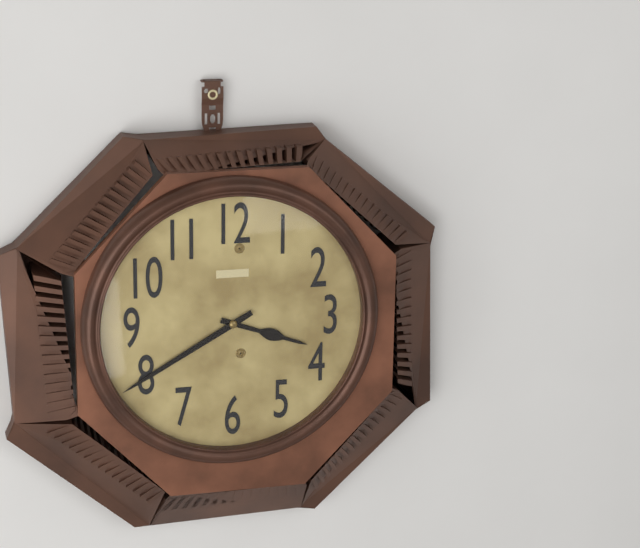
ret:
3.40
